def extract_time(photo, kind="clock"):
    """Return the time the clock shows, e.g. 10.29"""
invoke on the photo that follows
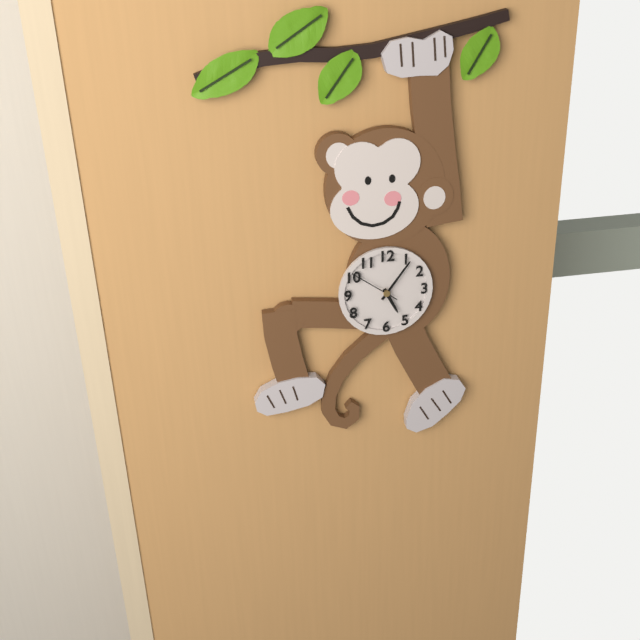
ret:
5.06
